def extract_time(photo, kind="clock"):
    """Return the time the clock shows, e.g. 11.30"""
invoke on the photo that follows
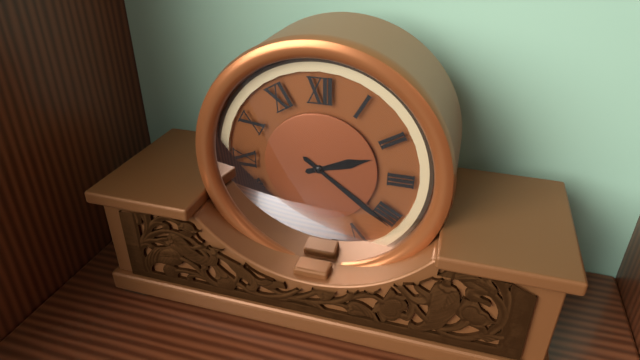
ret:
2.21
